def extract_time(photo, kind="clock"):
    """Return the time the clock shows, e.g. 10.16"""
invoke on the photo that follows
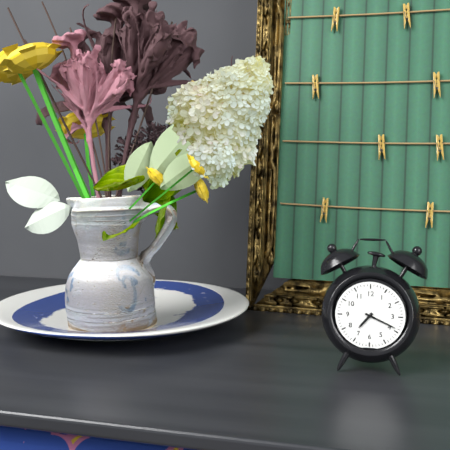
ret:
7.19
